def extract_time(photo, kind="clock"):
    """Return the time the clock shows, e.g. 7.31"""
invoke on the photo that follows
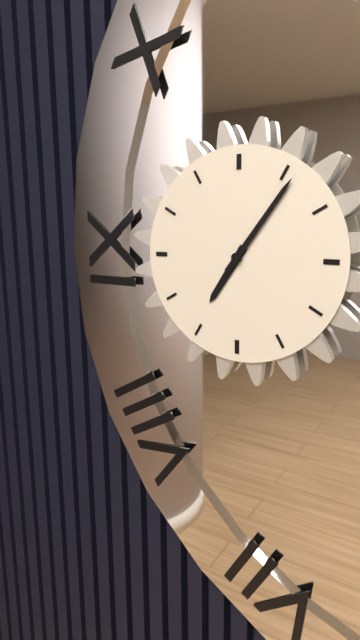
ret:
7.06
